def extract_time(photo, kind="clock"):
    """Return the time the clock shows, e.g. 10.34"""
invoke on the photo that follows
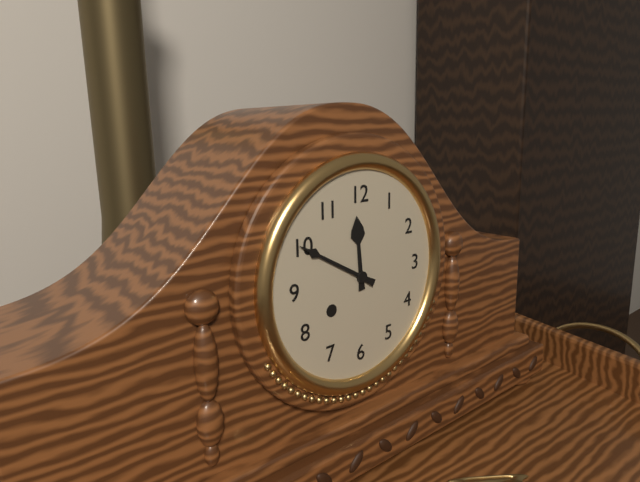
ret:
11.50
